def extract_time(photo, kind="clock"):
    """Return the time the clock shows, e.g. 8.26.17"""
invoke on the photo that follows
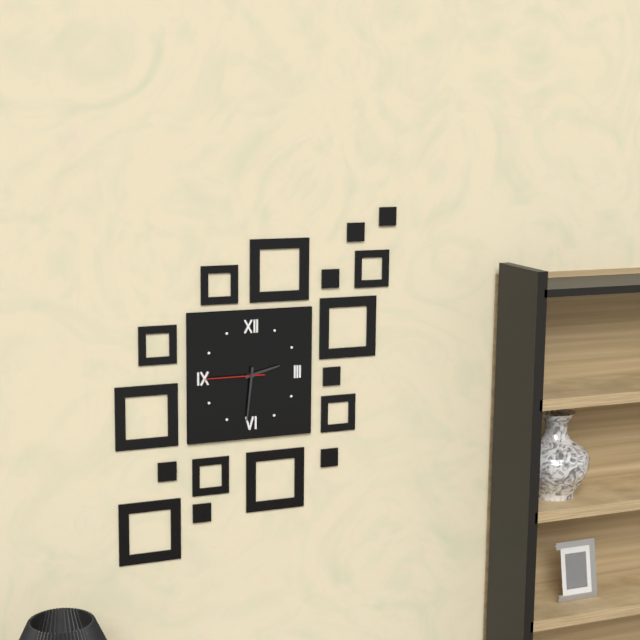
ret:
2.31.45
